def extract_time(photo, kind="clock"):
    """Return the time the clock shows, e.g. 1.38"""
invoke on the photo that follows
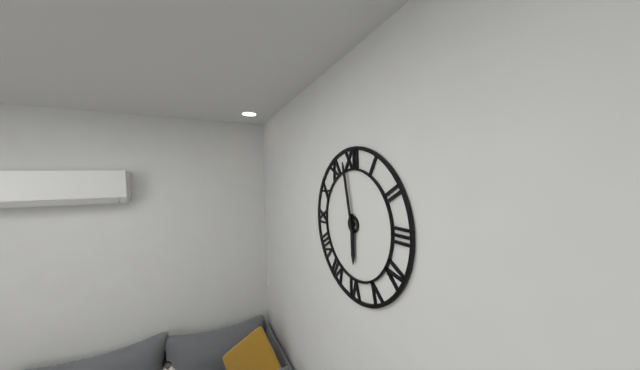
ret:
5.58
